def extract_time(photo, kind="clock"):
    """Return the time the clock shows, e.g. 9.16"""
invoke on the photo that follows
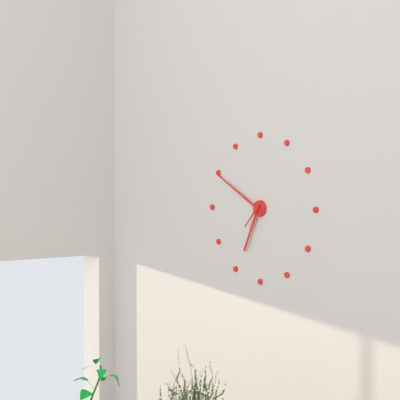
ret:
6.50
